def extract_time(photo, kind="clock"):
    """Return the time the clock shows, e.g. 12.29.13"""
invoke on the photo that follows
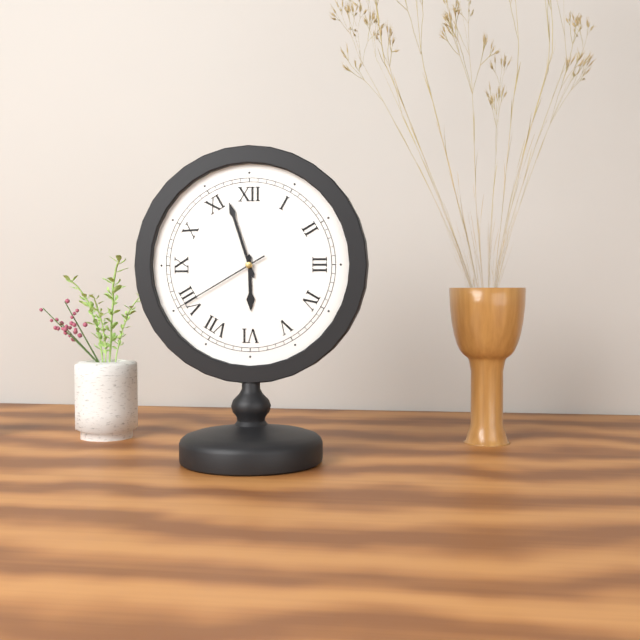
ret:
5.57.40
